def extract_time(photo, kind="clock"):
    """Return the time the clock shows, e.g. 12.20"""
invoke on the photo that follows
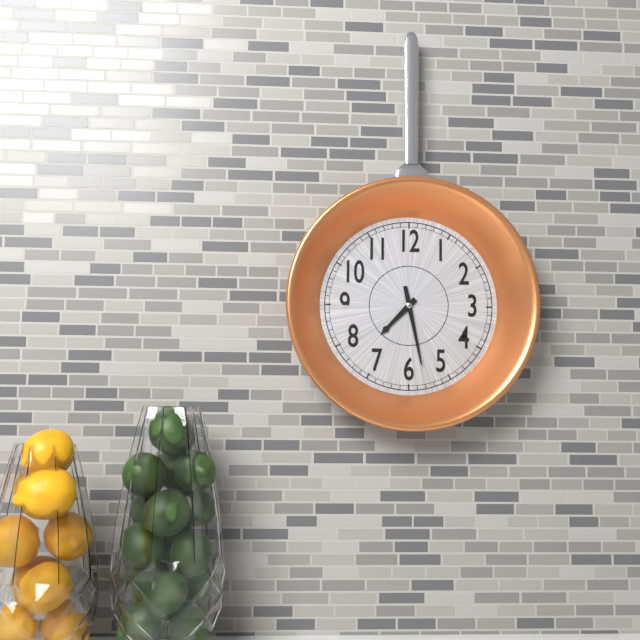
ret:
7.28
